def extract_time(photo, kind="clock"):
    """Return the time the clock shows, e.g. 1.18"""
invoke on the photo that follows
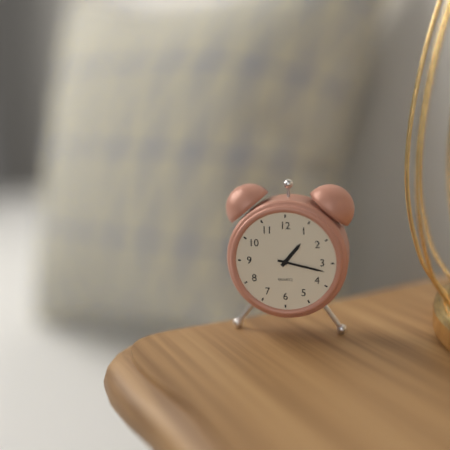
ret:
1.17
